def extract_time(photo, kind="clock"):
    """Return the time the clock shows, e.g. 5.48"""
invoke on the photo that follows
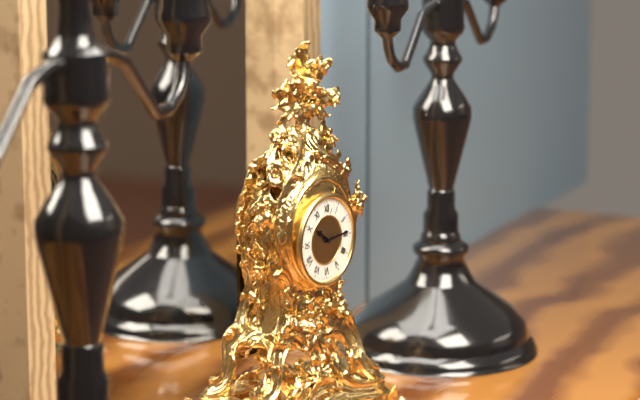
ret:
10.14
